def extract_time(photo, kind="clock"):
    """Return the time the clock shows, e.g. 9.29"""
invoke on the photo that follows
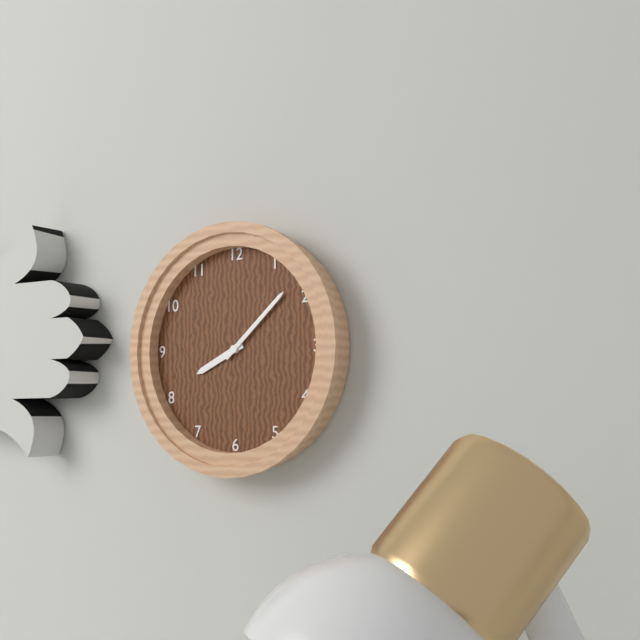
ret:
8.08
